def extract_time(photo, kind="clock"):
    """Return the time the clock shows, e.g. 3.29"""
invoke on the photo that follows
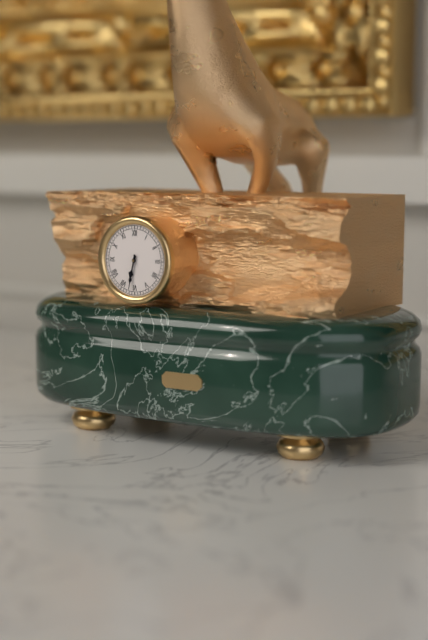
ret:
6.32
